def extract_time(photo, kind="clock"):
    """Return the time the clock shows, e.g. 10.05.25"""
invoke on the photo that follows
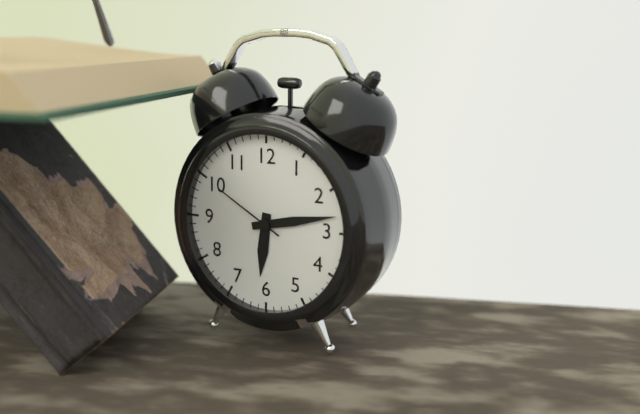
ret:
6.13.50
